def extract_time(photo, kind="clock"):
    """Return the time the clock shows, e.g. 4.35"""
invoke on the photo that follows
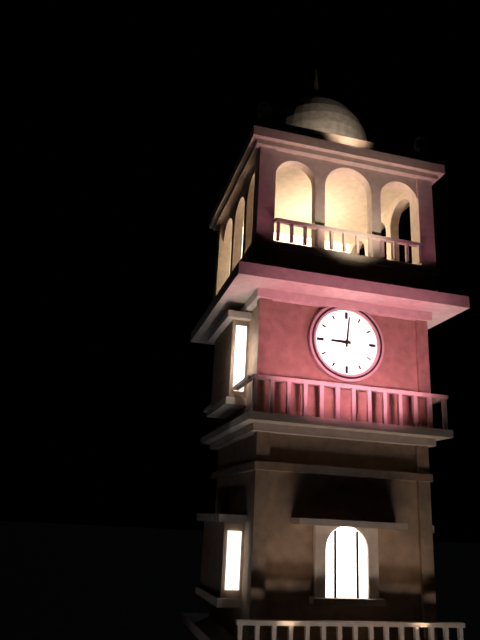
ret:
9.01
